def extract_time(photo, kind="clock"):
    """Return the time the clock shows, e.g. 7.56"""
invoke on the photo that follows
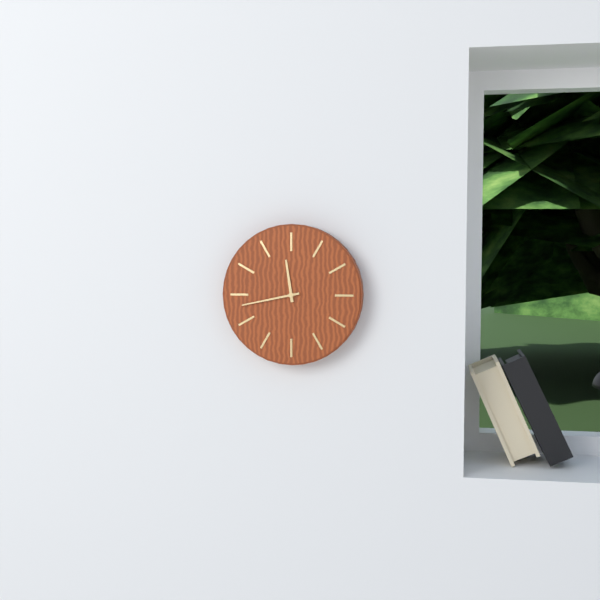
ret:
11.43
